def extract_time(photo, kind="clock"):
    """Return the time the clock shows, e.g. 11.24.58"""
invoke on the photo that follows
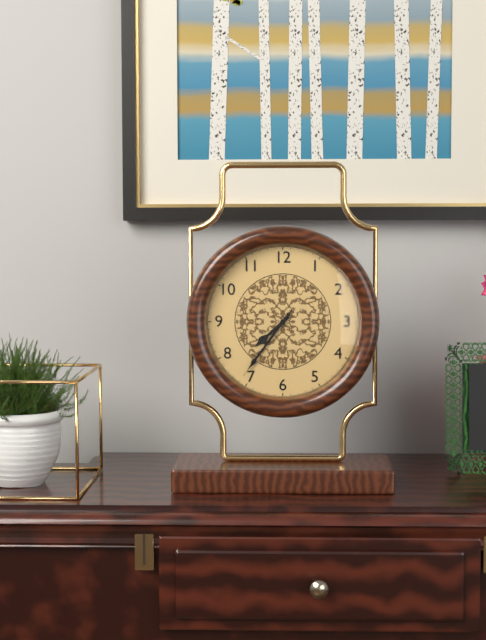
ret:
7.36.36
